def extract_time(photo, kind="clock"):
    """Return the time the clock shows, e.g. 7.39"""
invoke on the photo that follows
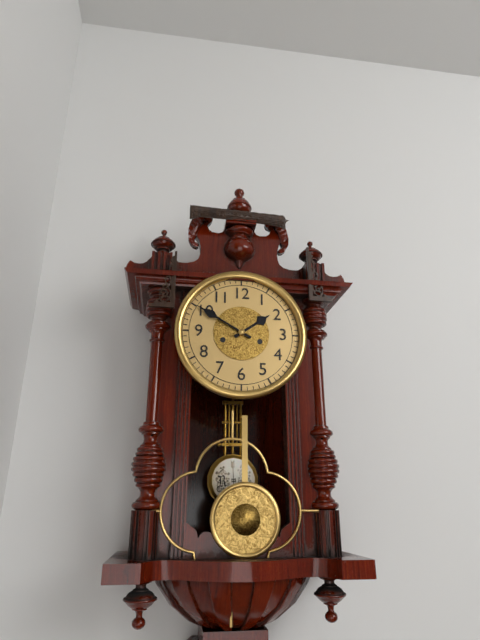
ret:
1.50
